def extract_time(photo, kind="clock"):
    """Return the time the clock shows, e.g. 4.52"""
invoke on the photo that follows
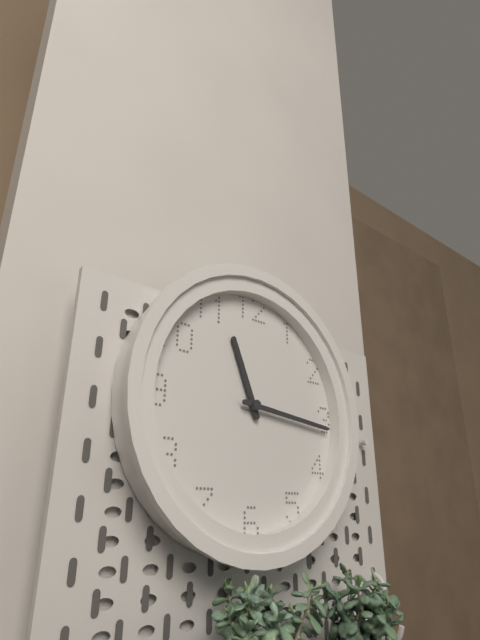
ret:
11.16
